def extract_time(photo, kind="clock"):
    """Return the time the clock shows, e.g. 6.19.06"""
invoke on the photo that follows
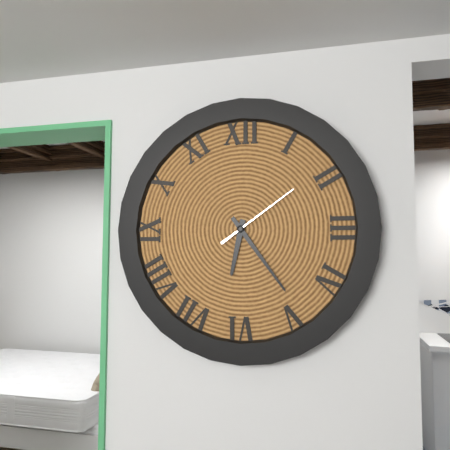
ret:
6.24.09
